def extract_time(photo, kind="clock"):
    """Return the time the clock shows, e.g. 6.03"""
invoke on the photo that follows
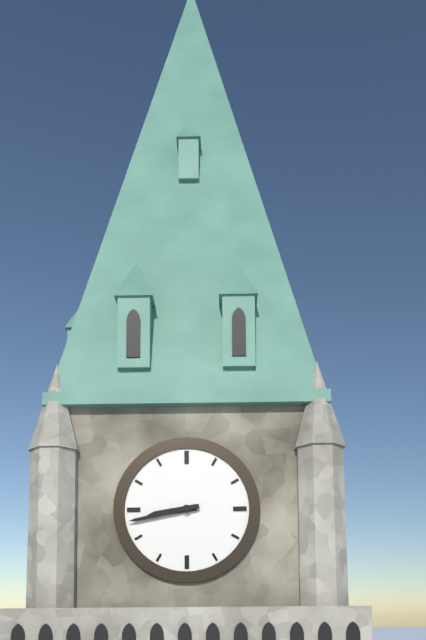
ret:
8.43
